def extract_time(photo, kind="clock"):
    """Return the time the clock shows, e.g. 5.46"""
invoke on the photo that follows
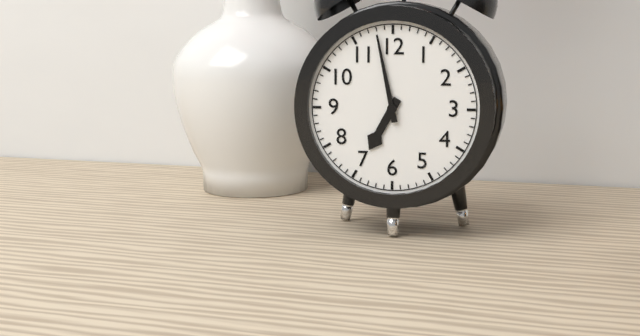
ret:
6.58
